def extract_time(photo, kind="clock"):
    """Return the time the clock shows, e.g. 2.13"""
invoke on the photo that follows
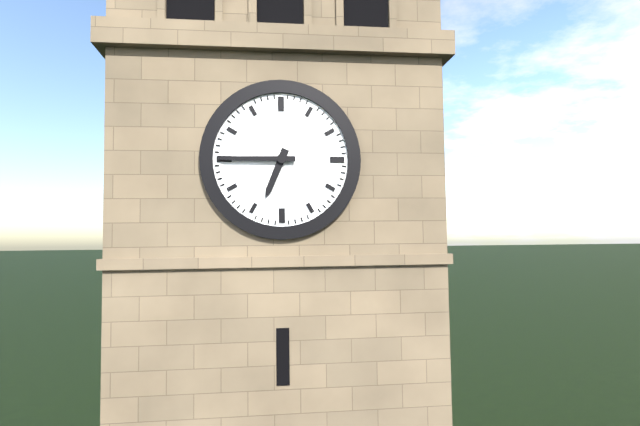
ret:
6.45
